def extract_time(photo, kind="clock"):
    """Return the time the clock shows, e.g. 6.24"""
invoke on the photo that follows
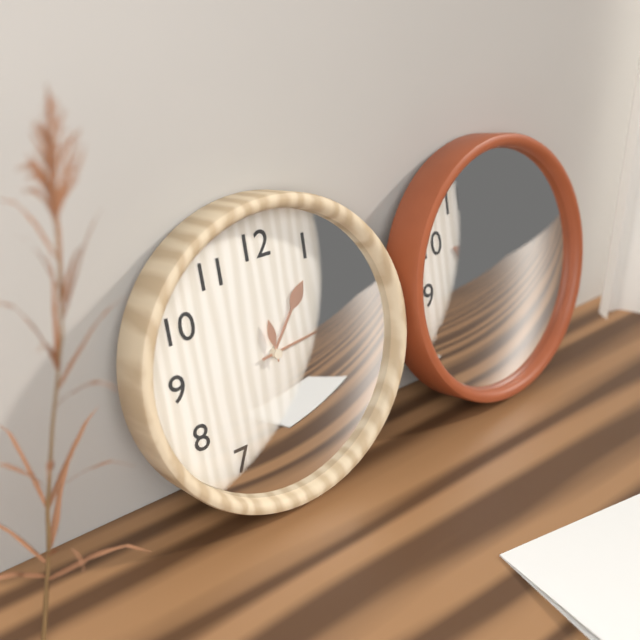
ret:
1.14
